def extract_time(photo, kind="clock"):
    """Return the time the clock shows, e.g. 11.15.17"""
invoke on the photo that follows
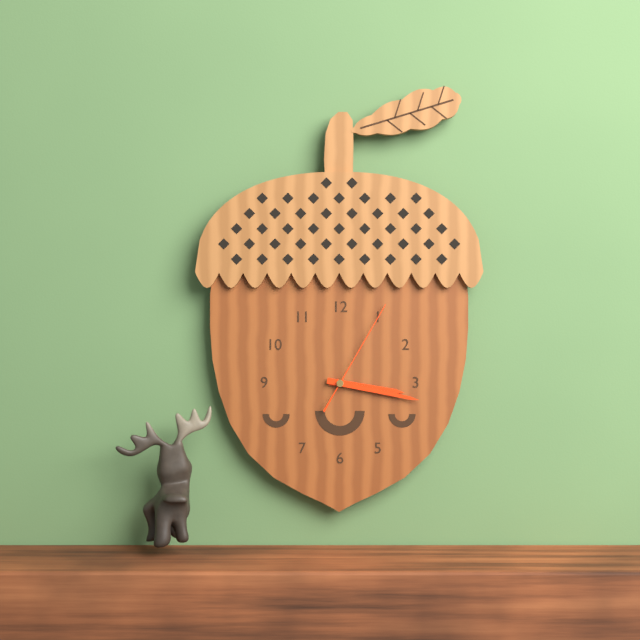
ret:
3.17.05
